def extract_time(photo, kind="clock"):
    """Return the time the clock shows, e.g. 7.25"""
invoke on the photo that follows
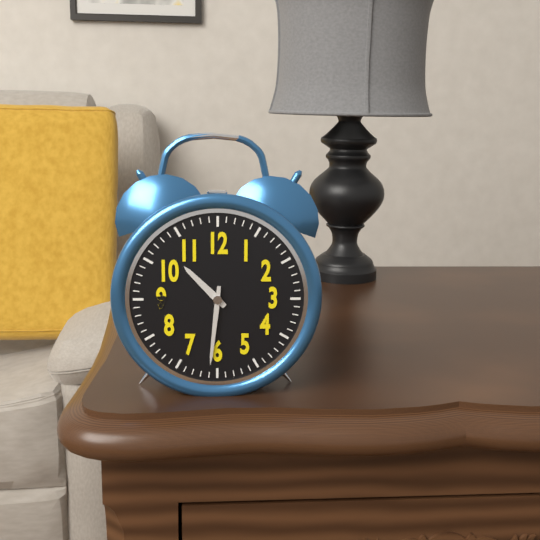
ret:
10.31
